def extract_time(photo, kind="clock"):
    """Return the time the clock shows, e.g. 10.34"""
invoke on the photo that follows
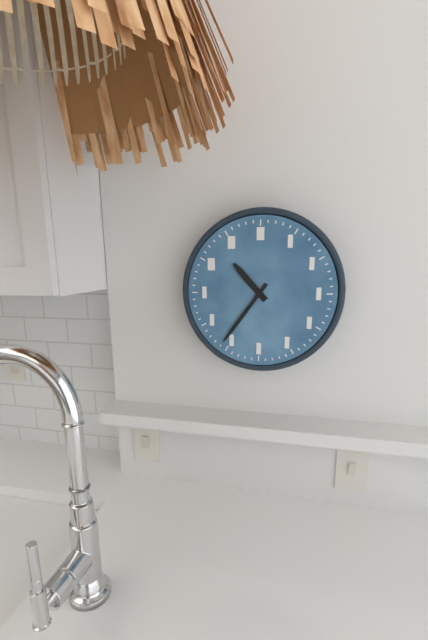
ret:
10.36
